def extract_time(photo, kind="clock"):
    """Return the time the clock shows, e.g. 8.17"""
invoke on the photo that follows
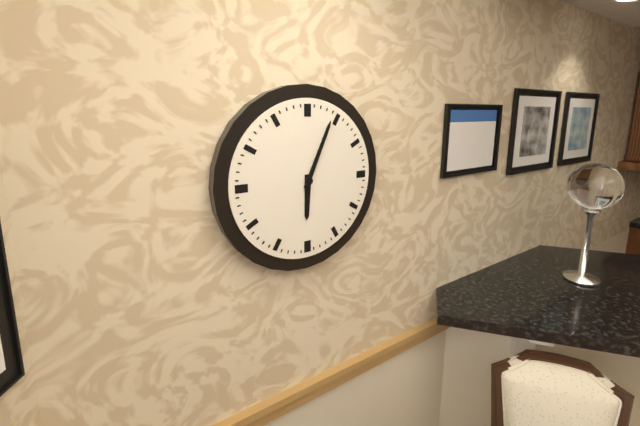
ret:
6.04
